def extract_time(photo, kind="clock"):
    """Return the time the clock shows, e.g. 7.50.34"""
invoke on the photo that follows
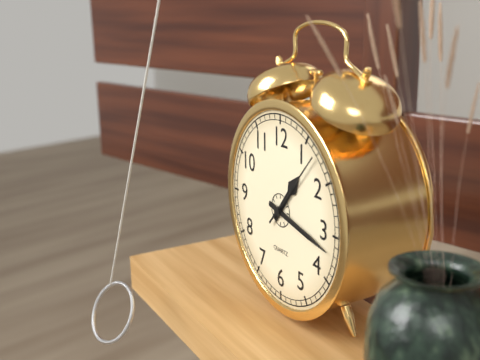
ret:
1.17.07
